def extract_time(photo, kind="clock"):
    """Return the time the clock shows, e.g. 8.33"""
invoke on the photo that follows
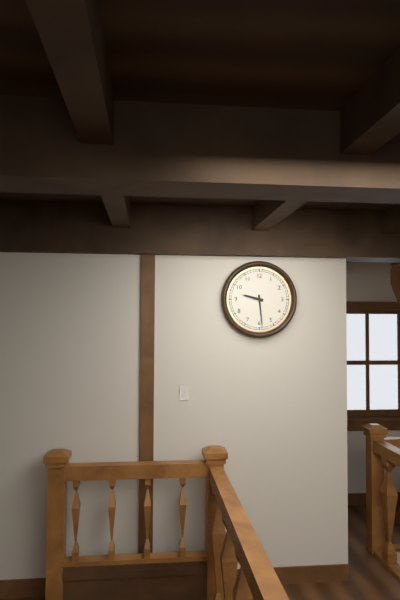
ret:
9.29
